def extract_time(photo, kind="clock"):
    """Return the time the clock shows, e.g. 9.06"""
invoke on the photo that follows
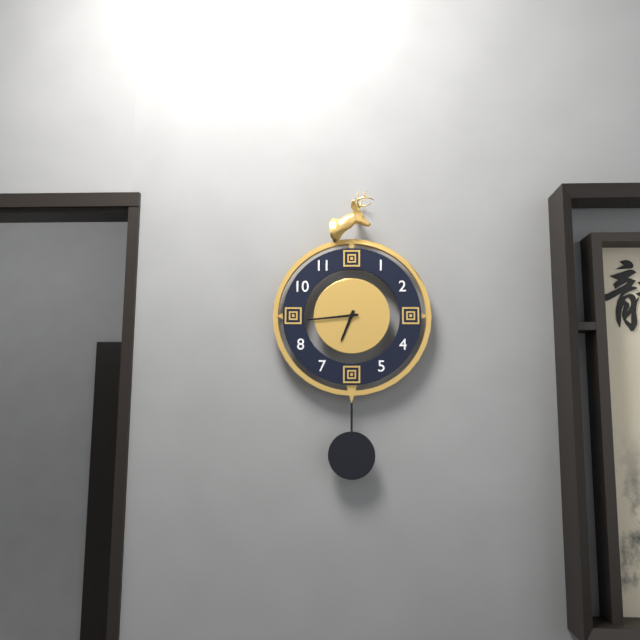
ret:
6.44
